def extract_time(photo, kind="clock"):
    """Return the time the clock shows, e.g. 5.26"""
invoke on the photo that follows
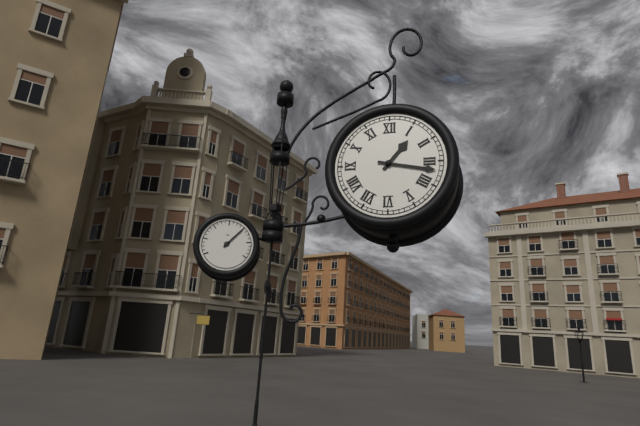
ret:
1.17
